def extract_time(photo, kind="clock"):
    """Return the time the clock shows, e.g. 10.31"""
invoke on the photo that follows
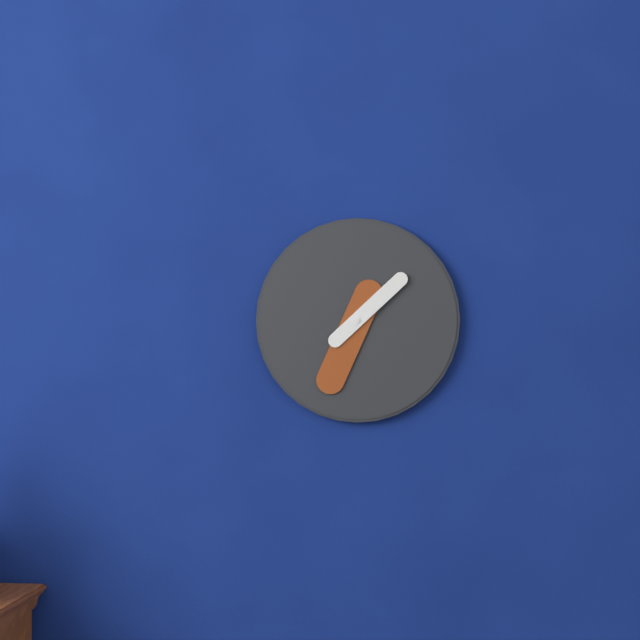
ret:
1.34
